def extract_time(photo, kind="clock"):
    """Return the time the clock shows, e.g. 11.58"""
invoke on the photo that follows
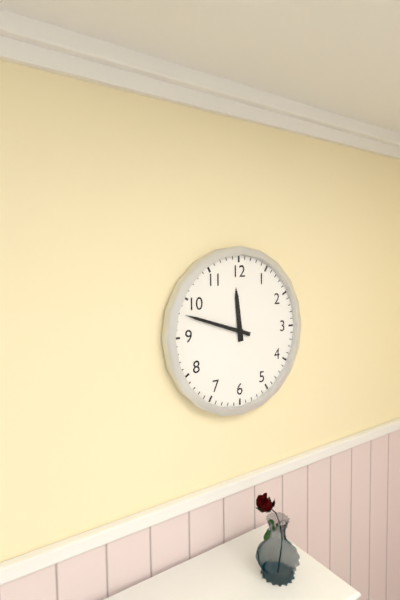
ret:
11.48
